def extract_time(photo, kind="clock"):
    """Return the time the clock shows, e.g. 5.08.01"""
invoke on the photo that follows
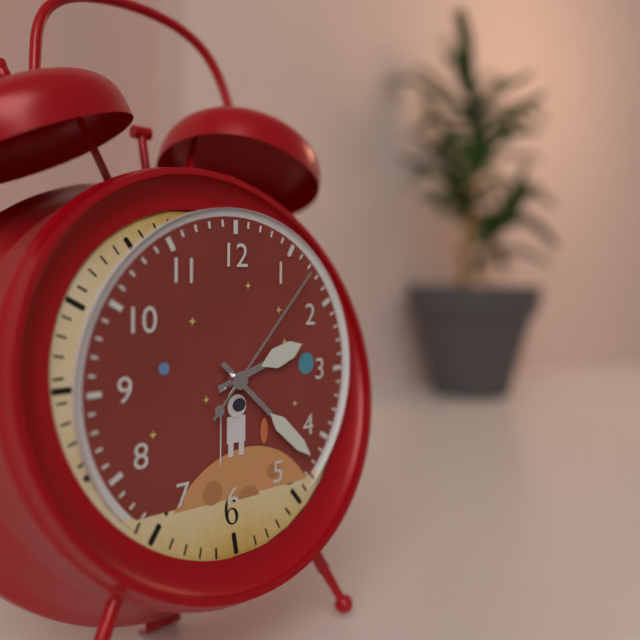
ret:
2.22.07
